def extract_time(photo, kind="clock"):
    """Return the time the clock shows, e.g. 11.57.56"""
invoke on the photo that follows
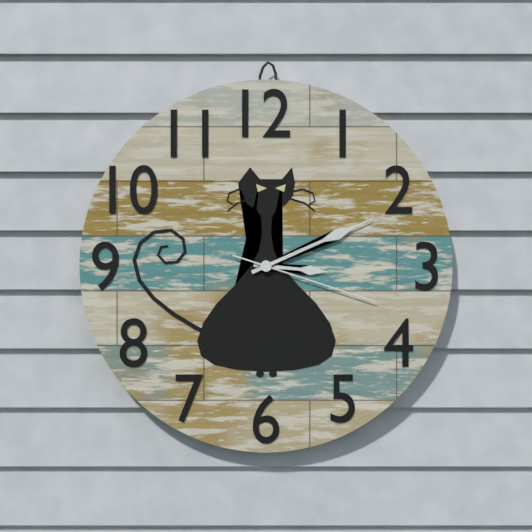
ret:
3.11.18
